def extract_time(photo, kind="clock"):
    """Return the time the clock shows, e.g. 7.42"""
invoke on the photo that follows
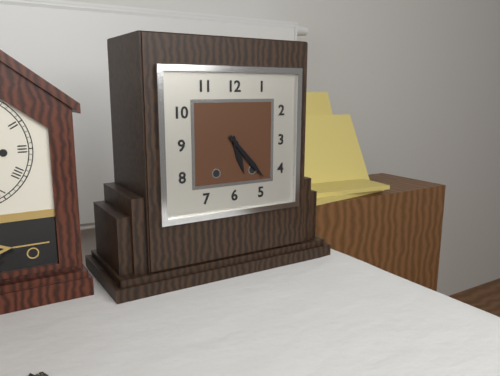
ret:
5.23
